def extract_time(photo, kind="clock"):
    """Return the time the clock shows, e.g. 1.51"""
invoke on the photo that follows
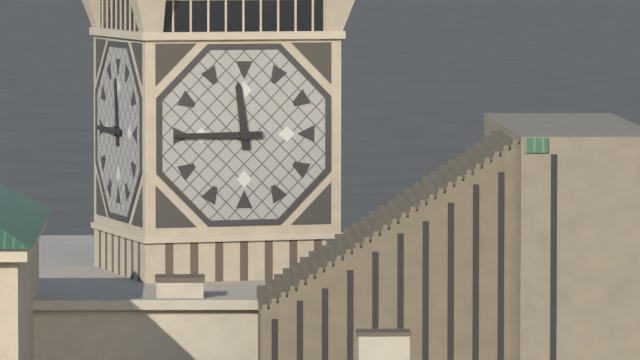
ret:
11.45
